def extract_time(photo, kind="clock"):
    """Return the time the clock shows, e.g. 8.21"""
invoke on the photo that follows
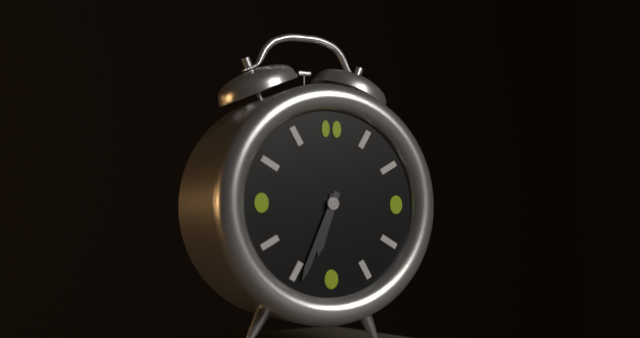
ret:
6.34
